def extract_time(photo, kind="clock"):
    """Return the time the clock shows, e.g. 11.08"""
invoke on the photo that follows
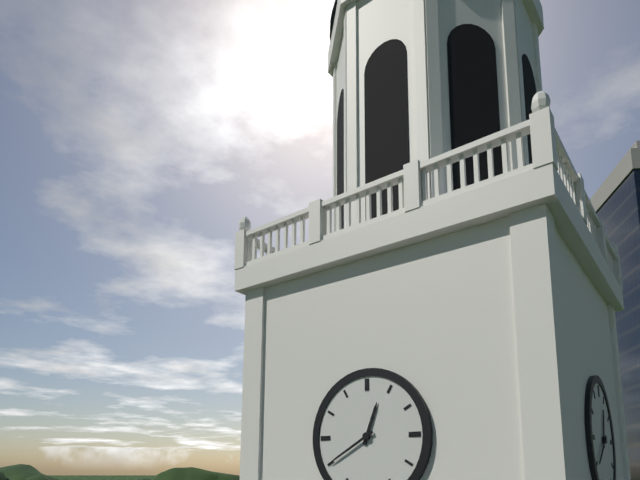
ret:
12.40
